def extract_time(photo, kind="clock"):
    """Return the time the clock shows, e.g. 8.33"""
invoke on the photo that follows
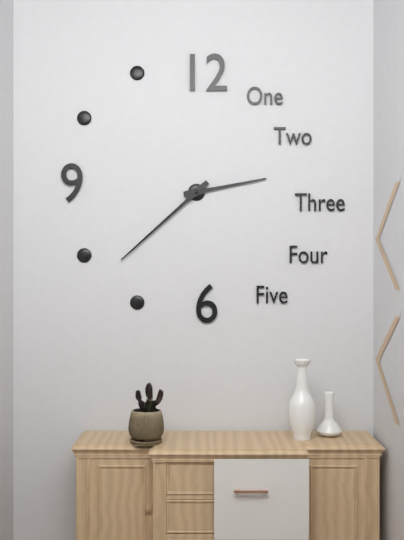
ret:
2.38
